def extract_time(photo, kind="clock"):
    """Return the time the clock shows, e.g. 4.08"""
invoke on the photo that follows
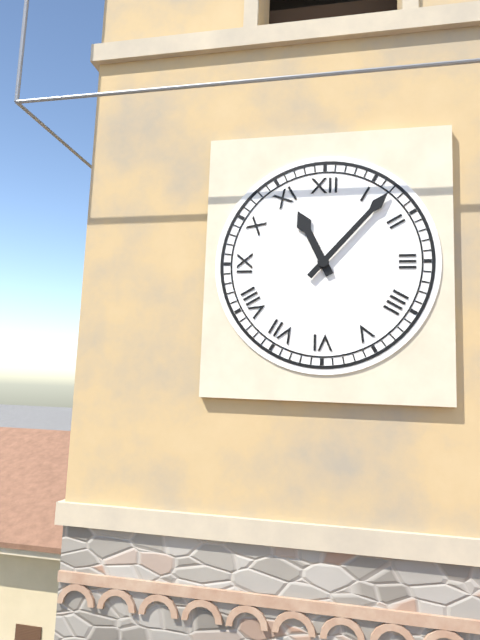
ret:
11.07
